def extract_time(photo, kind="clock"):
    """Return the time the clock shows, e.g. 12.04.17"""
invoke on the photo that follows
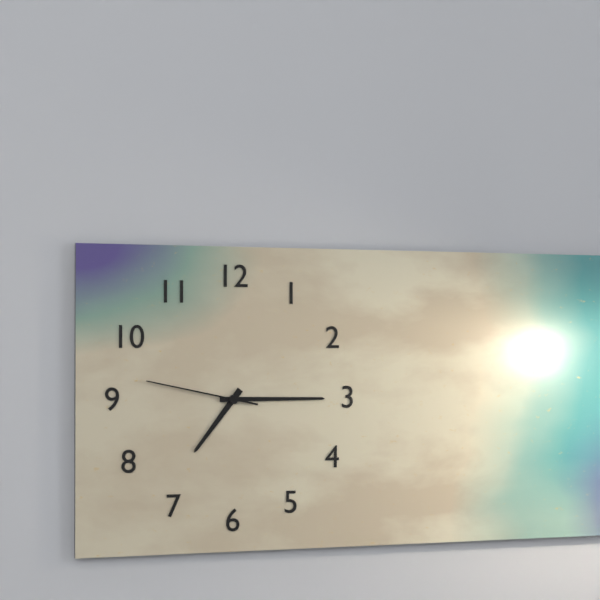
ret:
7.15.47
